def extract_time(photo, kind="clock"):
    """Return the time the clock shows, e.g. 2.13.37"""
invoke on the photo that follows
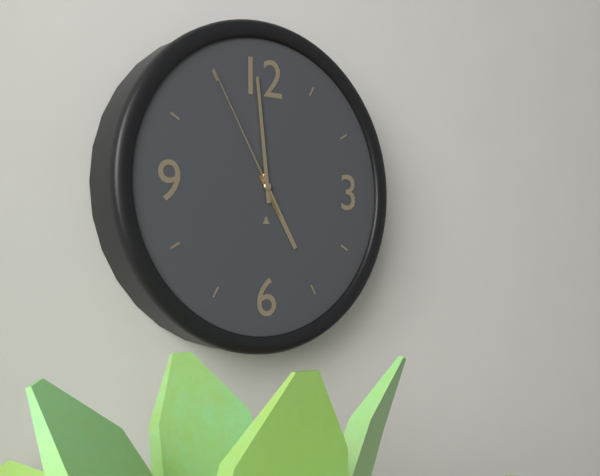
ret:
4.59.55
